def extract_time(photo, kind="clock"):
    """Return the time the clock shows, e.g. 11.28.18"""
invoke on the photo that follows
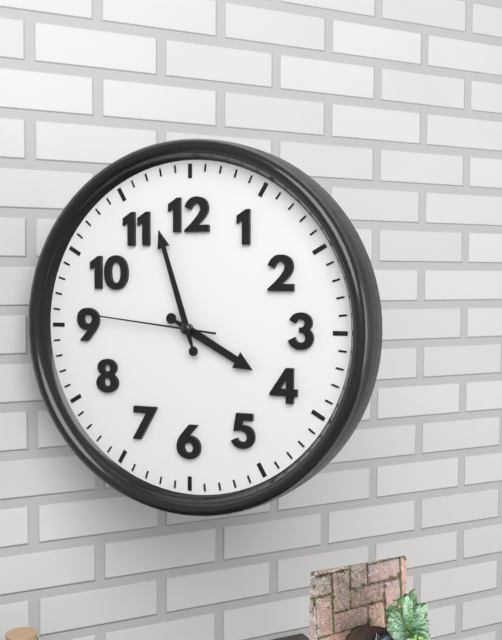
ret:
3.57.46
